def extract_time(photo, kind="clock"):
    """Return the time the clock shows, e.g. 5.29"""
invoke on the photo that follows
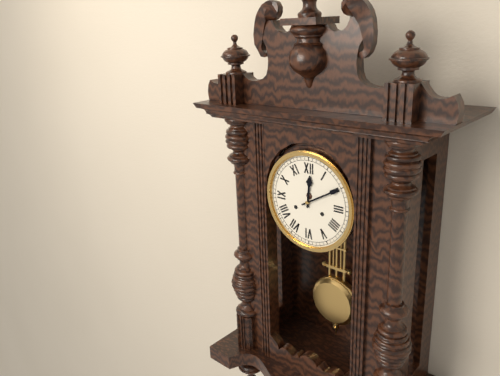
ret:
12.10
